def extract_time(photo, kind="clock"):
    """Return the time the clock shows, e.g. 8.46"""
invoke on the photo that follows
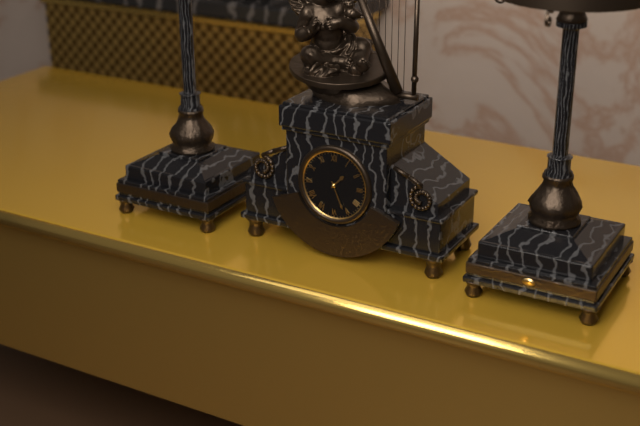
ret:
1.26
